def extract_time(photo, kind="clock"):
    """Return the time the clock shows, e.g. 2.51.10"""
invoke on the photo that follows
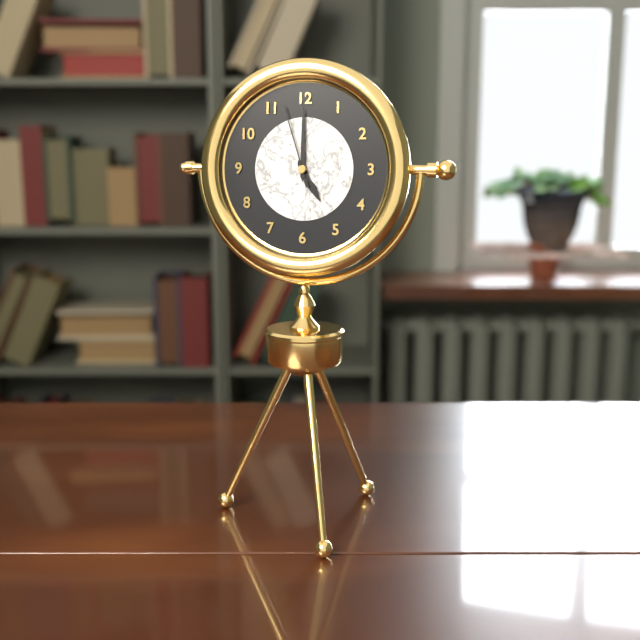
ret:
5.00.57
